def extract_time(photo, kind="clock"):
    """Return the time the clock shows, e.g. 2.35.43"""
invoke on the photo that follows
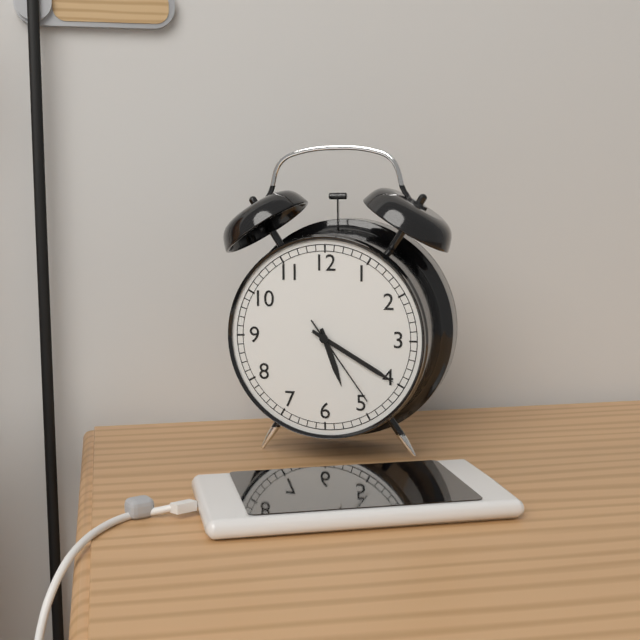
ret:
5.20.24
